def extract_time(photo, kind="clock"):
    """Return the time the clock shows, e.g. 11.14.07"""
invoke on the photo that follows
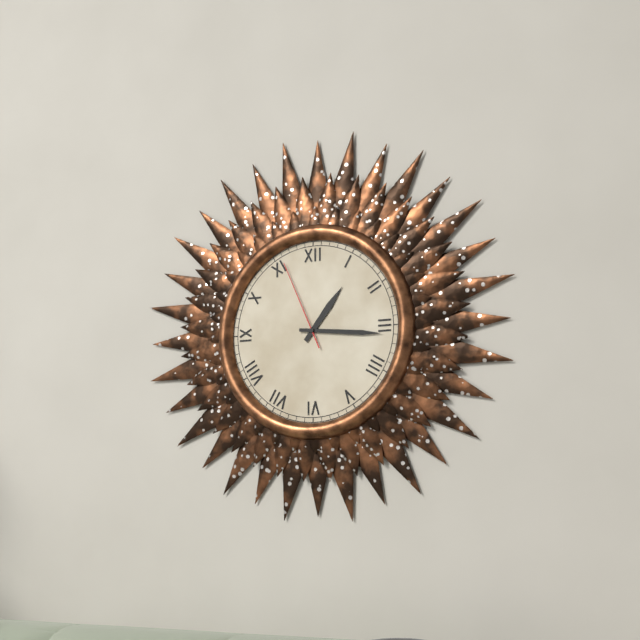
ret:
1.16.56
